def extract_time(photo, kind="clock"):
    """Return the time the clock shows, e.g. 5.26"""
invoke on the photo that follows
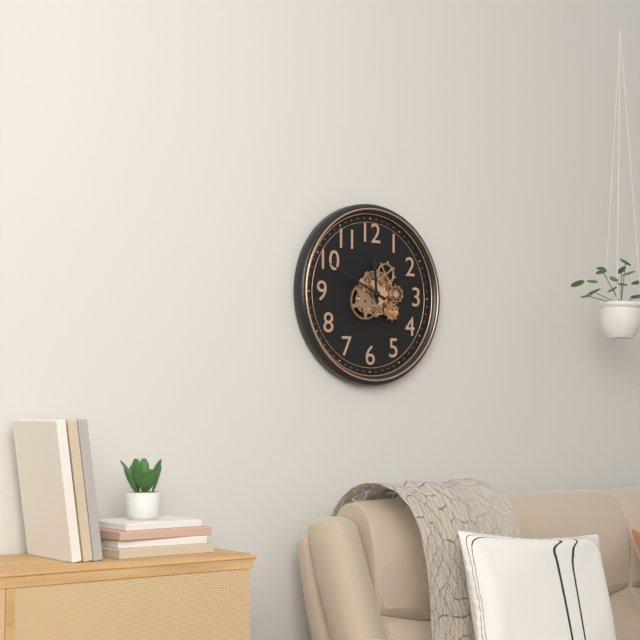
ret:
11.49
